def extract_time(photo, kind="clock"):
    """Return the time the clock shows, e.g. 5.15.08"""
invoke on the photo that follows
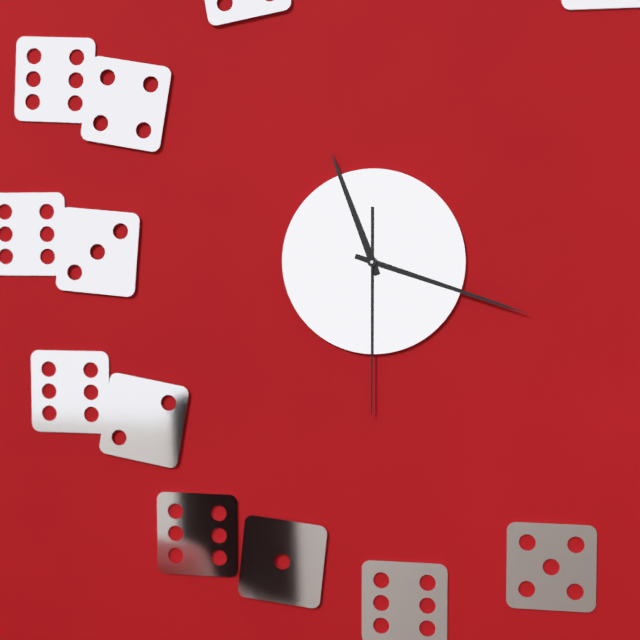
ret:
11.18.30
